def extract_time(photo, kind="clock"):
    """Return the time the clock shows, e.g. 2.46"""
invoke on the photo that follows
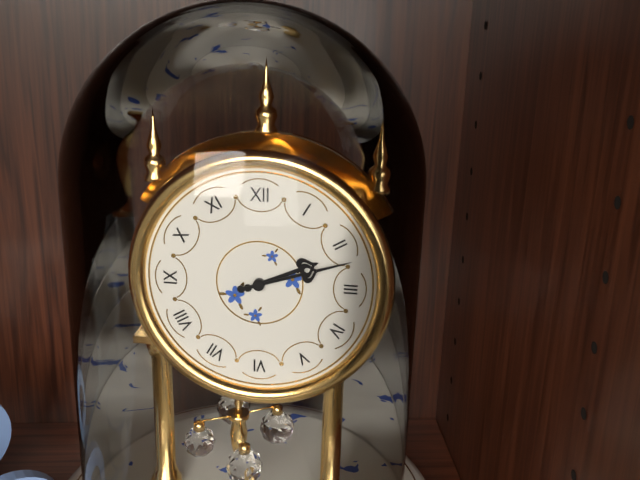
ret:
2.12
